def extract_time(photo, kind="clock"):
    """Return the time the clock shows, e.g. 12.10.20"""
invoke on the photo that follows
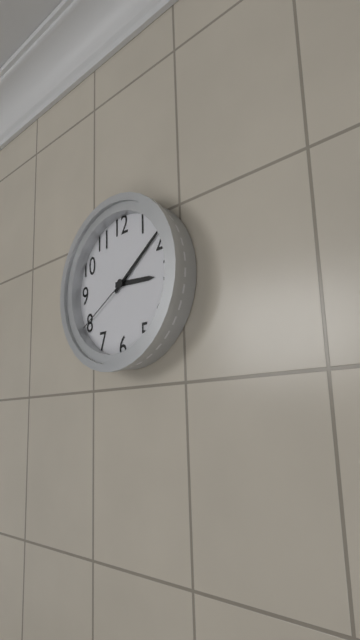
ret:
3.09.40
